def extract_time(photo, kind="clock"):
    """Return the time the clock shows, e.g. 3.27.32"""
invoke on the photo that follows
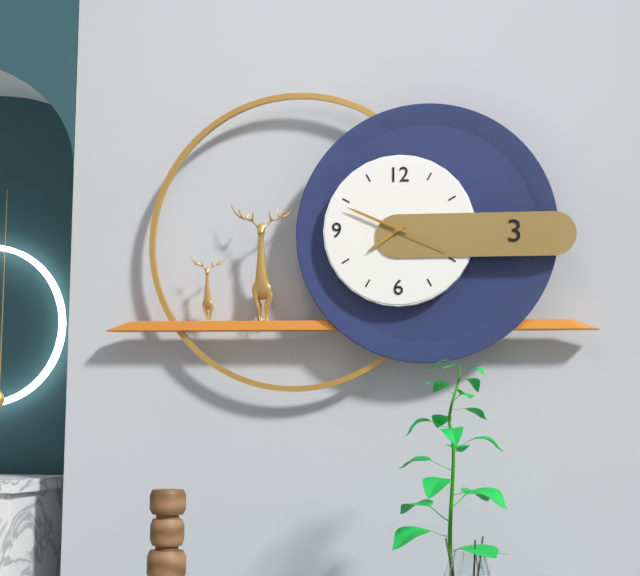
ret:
7.49.19
